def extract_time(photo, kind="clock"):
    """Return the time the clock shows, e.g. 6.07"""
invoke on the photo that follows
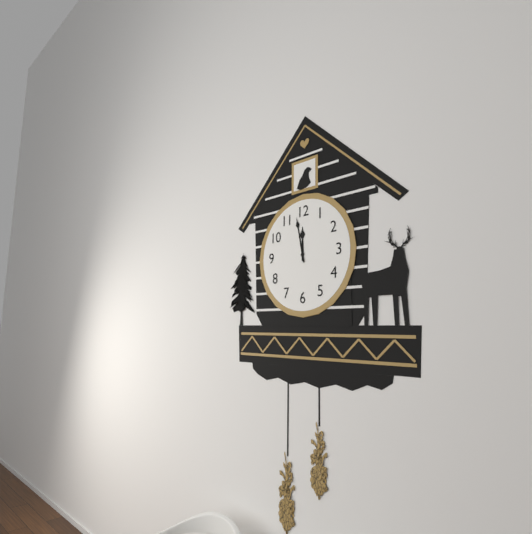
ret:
11.58
